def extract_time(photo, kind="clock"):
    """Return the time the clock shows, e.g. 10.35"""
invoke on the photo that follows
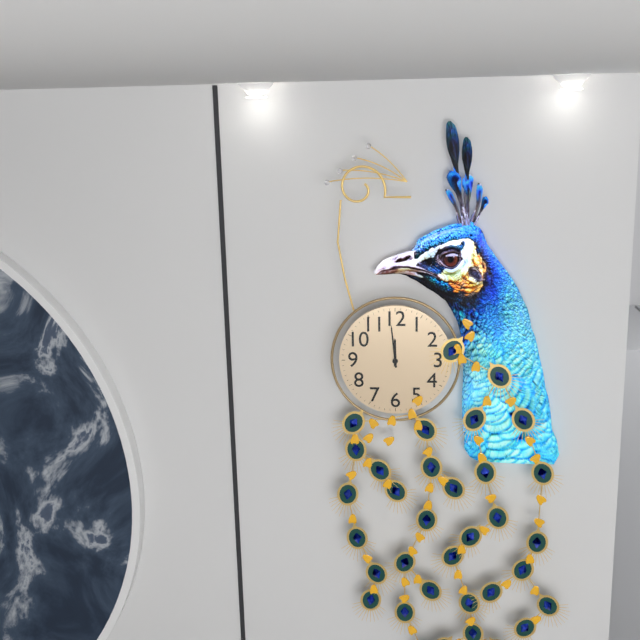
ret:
11.59
